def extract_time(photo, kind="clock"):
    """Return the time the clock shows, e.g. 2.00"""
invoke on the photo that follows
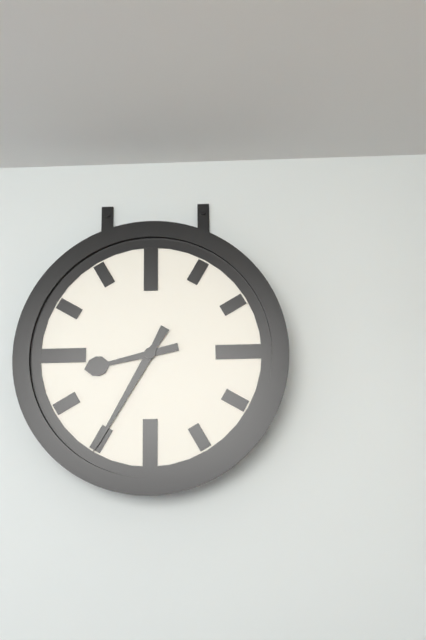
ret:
8.35
